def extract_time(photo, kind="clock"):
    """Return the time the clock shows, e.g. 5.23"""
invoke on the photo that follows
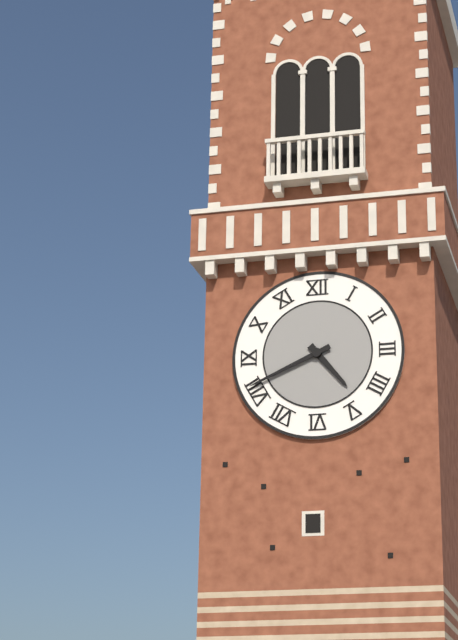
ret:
4.41
